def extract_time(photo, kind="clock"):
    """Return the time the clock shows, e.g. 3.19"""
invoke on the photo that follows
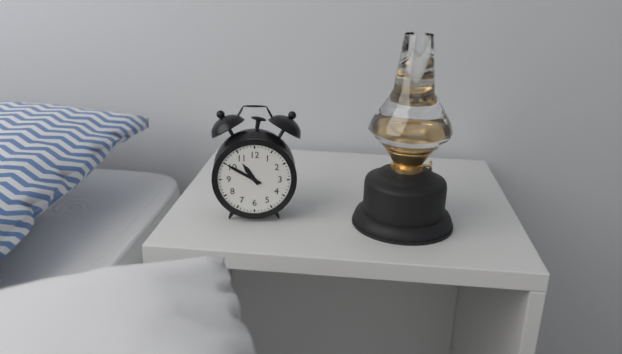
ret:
10.50
